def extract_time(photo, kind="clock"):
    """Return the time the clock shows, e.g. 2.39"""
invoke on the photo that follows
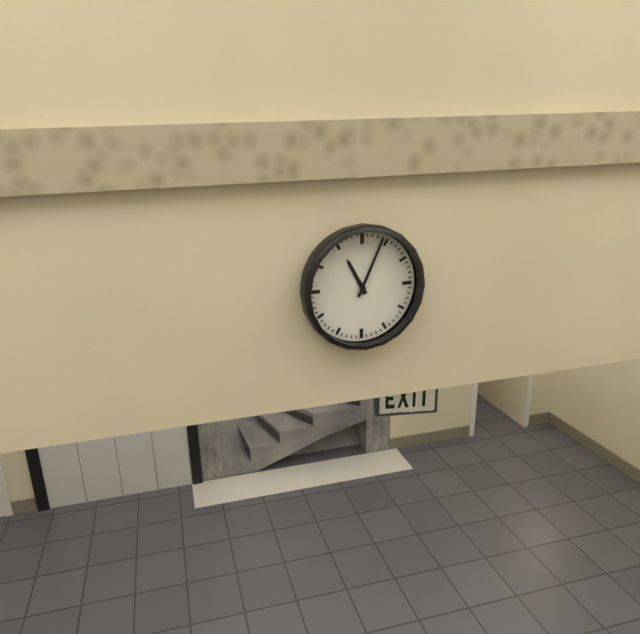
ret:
11.04
